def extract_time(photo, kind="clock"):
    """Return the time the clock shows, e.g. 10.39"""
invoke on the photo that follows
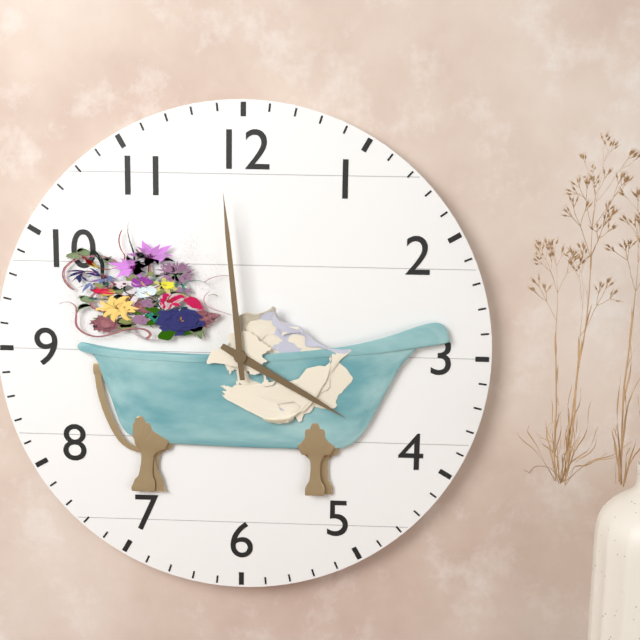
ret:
3.59
